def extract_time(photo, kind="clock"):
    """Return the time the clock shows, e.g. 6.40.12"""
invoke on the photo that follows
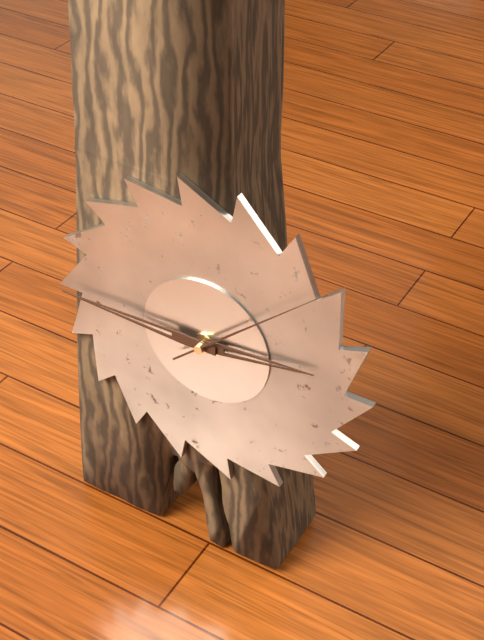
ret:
2.45.08
